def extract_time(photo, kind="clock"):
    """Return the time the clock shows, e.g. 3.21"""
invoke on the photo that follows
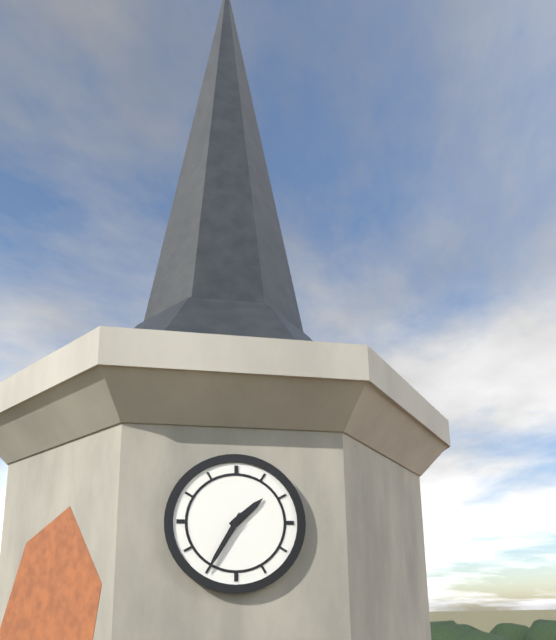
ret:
1.35
